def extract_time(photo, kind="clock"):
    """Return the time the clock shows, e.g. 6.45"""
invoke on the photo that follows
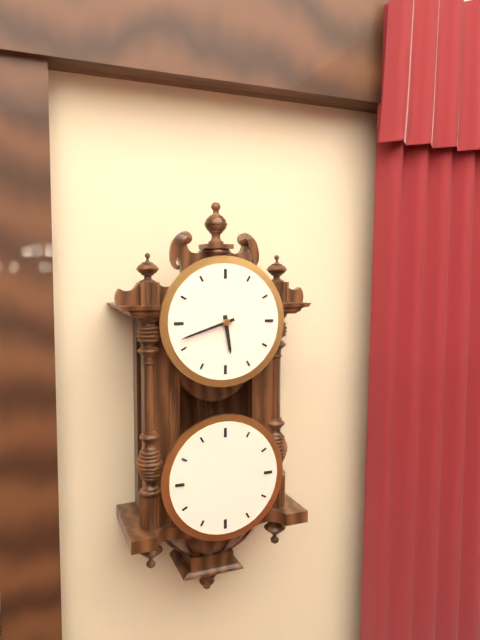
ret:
5.42
